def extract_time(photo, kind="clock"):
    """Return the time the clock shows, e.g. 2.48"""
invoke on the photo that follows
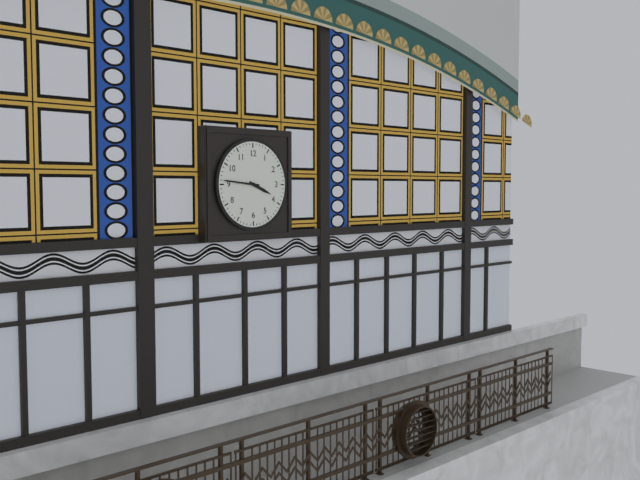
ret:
3.46
